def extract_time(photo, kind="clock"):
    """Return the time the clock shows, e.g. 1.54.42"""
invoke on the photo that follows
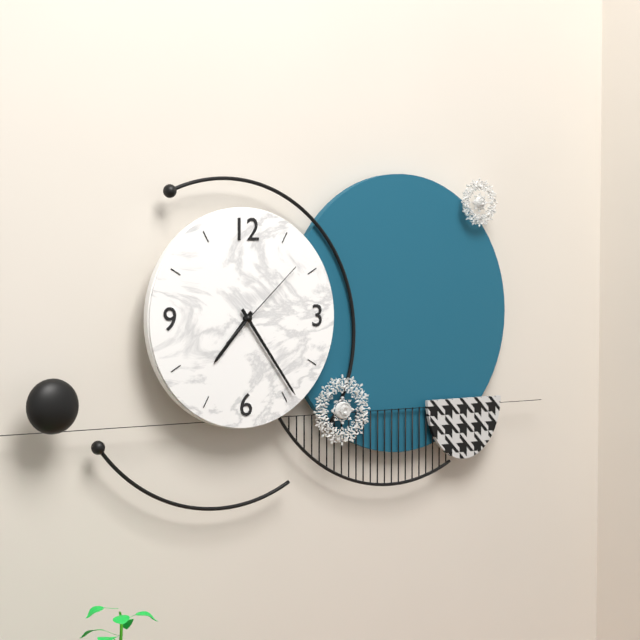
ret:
7.24.08
